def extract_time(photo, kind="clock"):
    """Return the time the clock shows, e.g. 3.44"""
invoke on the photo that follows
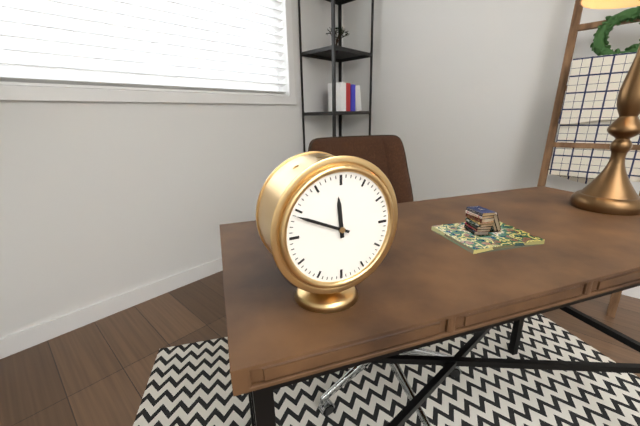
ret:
11.49
